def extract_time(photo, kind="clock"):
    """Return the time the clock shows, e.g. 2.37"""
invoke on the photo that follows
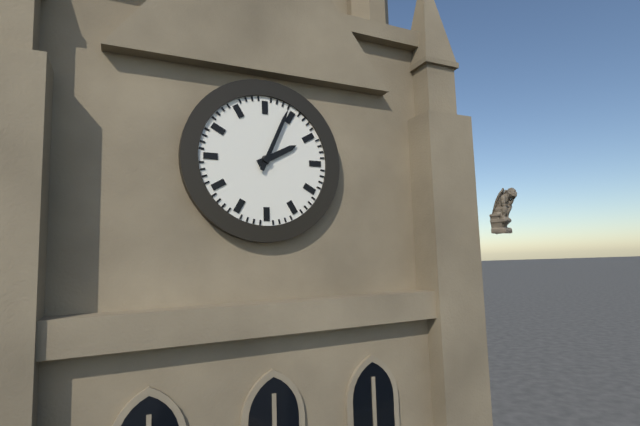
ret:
2.04
